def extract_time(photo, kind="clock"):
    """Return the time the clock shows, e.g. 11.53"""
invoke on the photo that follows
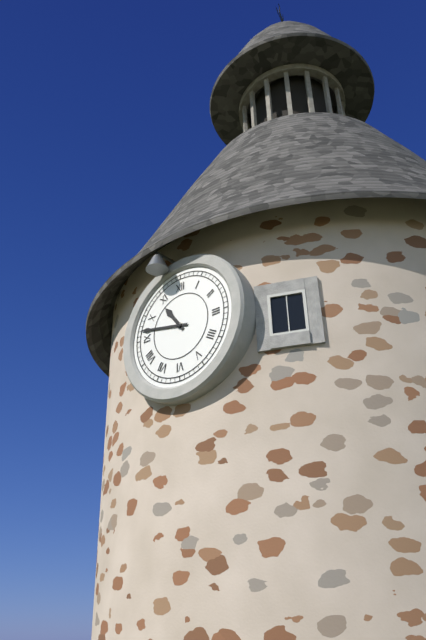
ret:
10.47
